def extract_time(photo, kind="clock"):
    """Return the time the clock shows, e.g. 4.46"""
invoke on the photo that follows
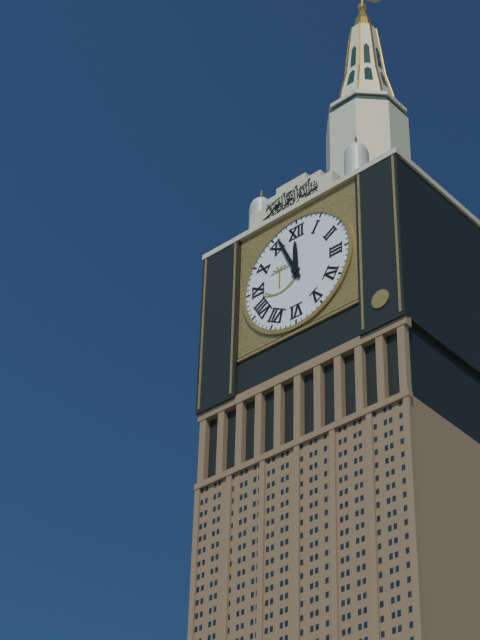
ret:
11.56
